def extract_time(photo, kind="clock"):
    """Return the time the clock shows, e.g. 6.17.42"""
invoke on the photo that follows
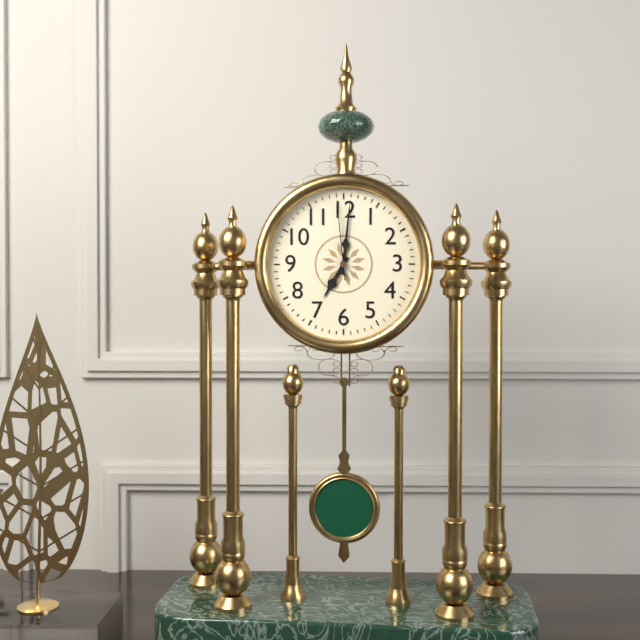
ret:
7.01.59
